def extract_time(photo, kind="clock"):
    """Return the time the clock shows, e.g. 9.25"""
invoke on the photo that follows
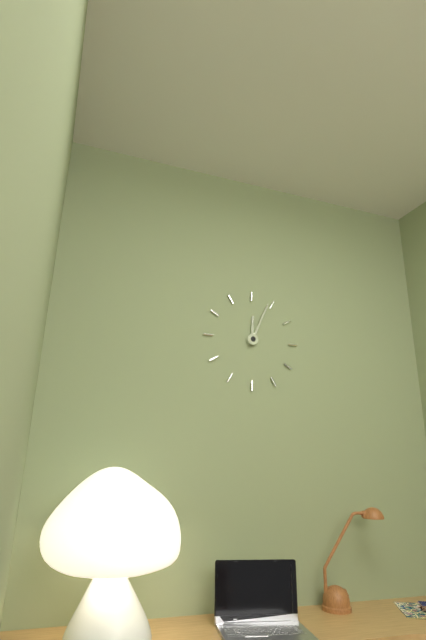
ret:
12.04
